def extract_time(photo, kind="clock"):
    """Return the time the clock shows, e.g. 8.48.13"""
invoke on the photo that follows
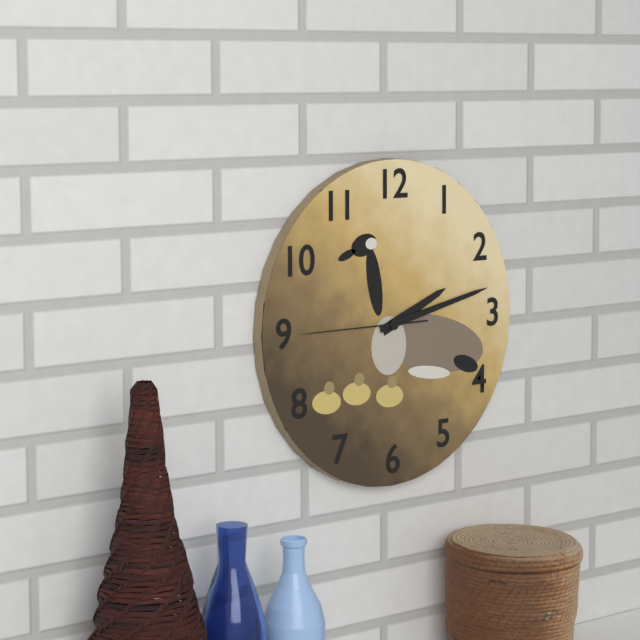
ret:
2.13.45
